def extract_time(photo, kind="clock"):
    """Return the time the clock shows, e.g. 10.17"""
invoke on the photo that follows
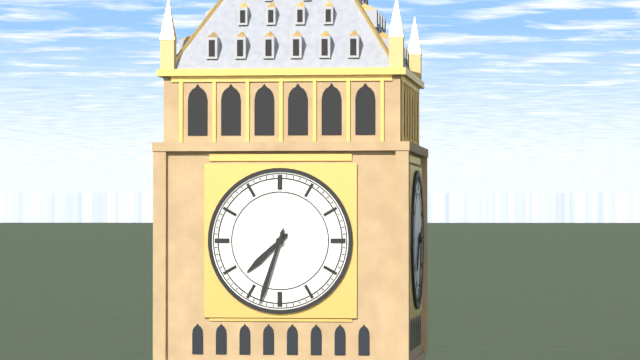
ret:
7.33
